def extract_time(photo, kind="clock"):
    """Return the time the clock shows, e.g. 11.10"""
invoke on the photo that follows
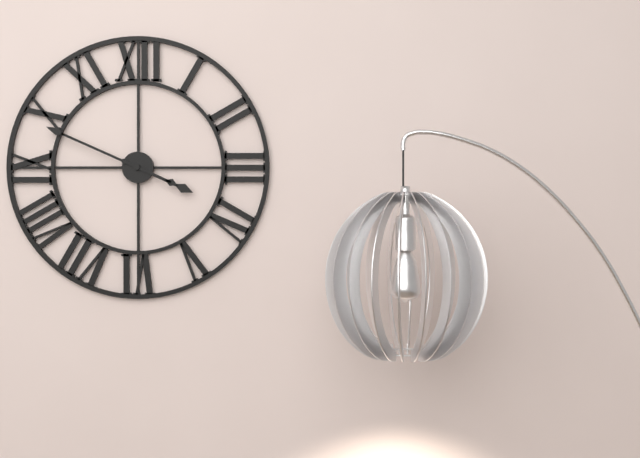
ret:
3.49
